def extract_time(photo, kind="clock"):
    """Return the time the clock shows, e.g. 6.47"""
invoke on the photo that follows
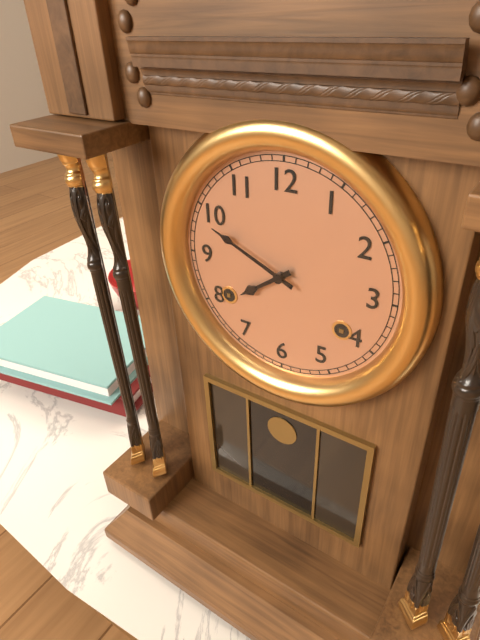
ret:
7.49
